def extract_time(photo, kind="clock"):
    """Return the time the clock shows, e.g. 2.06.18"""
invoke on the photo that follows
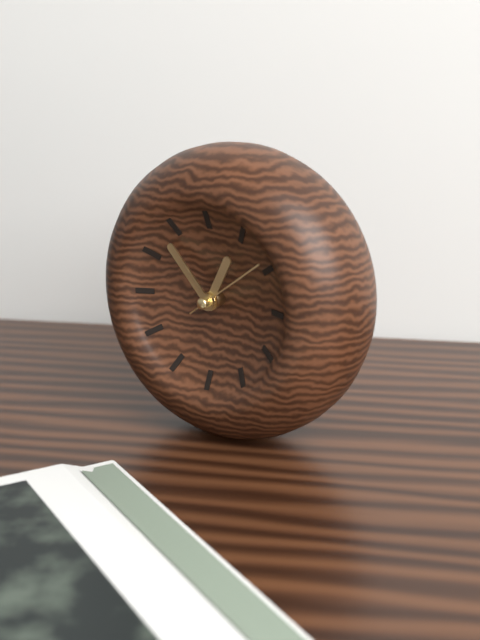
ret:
12.53.09
